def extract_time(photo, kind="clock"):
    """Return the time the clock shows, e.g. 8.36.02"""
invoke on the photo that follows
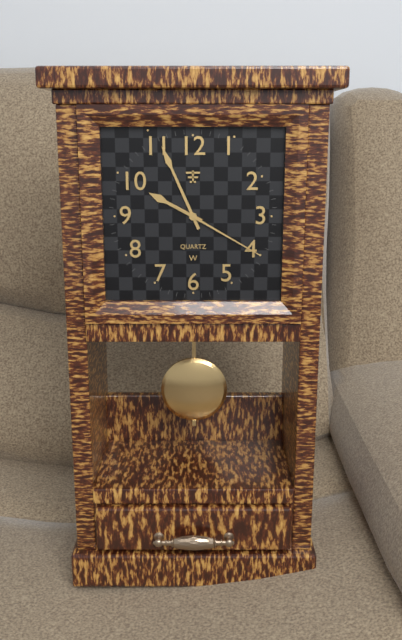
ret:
9.56.20
